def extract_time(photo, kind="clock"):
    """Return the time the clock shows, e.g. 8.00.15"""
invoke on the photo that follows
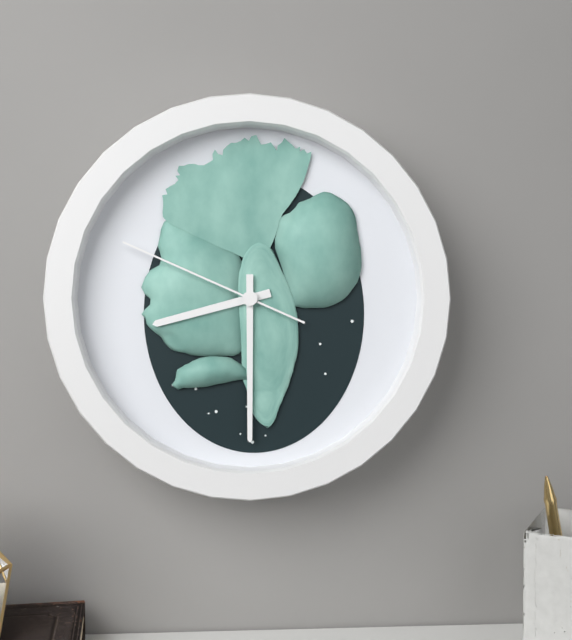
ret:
8.30.49
